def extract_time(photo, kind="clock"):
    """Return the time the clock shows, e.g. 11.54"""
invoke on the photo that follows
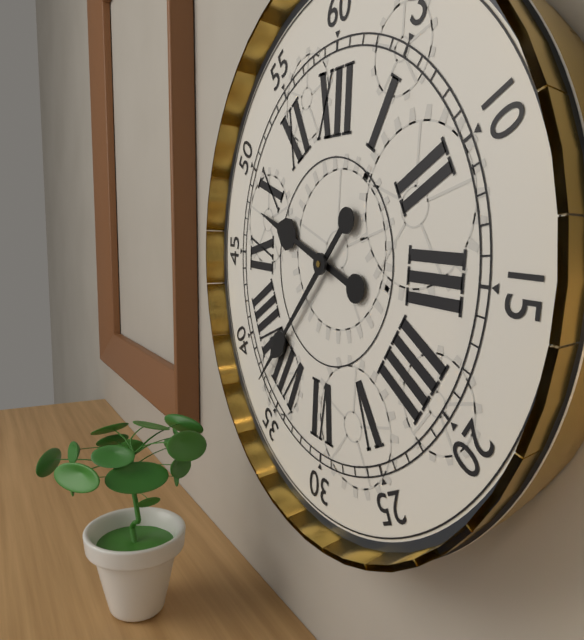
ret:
9.37
